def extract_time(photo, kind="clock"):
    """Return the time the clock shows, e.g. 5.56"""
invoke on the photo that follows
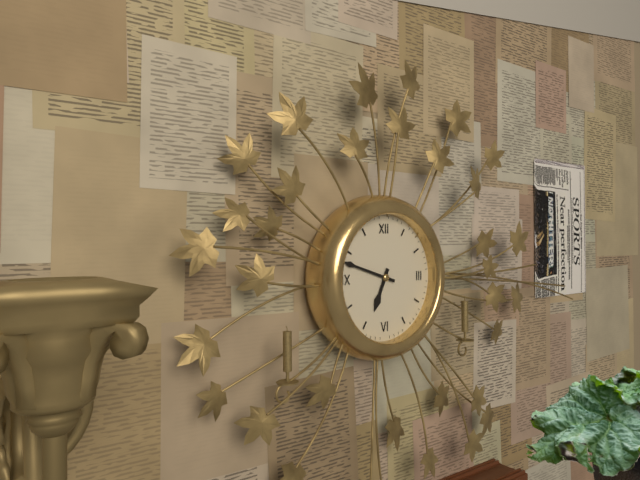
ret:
6.48
